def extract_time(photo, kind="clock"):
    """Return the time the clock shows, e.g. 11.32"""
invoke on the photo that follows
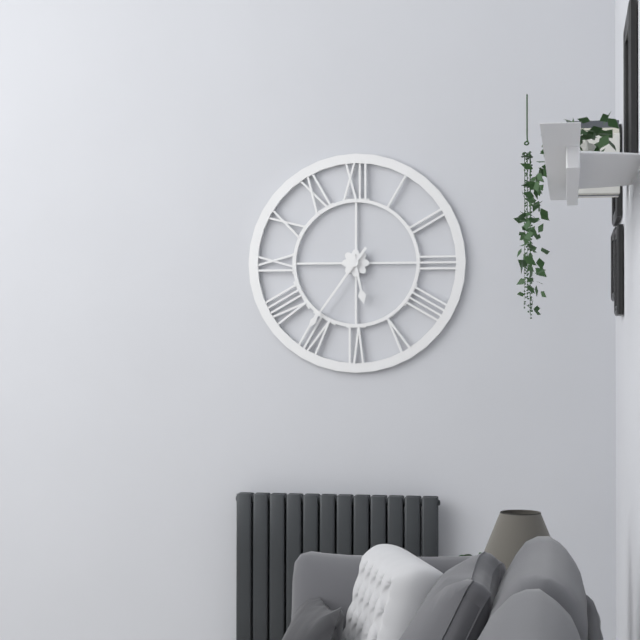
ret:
5.36
